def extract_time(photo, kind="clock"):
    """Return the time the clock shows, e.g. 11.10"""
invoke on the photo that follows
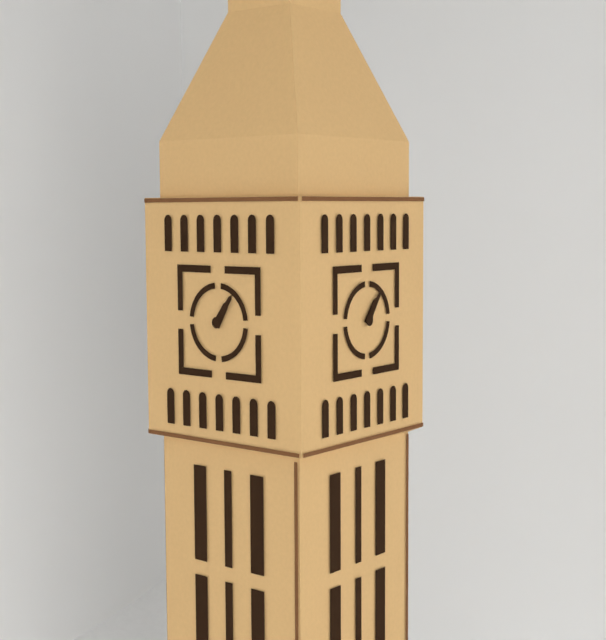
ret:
1.06
